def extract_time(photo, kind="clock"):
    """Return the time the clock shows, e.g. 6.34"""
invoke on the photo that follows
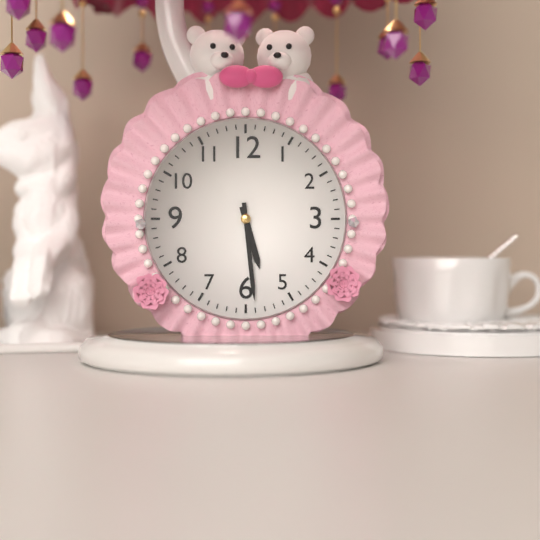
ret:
5.29
